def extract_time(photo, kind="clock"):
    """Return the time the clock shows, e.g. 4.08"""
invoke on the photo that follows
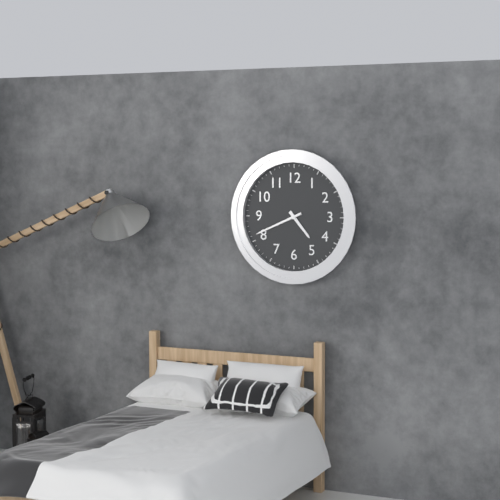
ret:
4.41
